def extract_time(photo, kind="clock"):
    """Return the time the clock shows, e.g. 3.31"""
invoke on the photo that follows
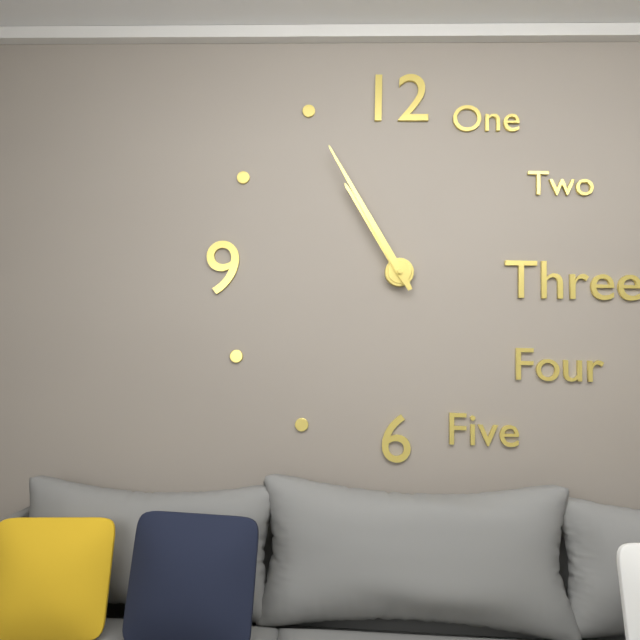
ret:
10.55
